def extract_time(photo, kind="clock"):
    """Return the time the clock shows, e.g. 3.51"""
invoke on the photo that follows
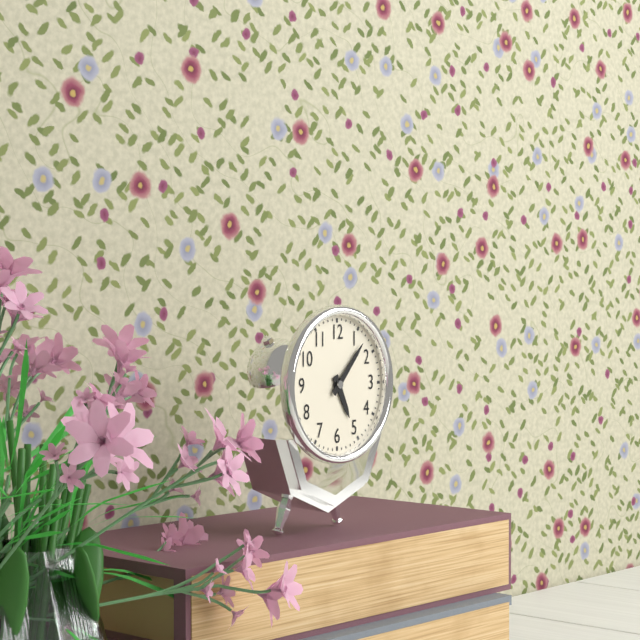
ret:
5.07
